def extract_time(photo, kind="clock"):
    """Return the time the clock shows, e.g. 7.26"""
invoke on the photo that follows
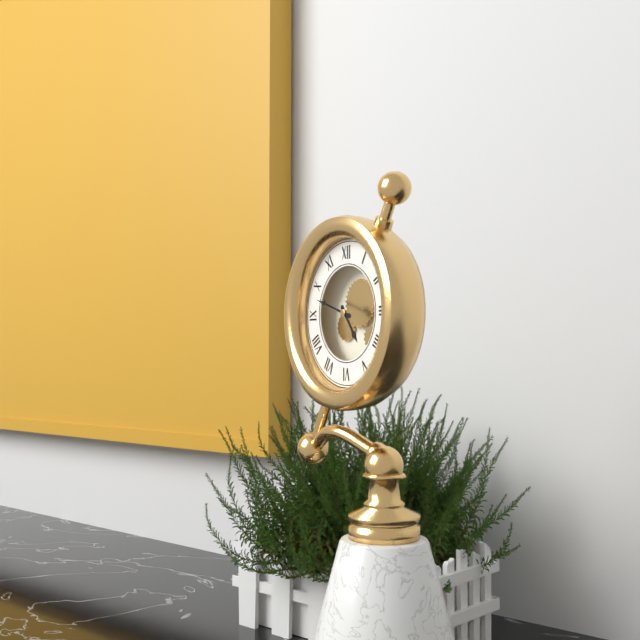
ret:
4.48
